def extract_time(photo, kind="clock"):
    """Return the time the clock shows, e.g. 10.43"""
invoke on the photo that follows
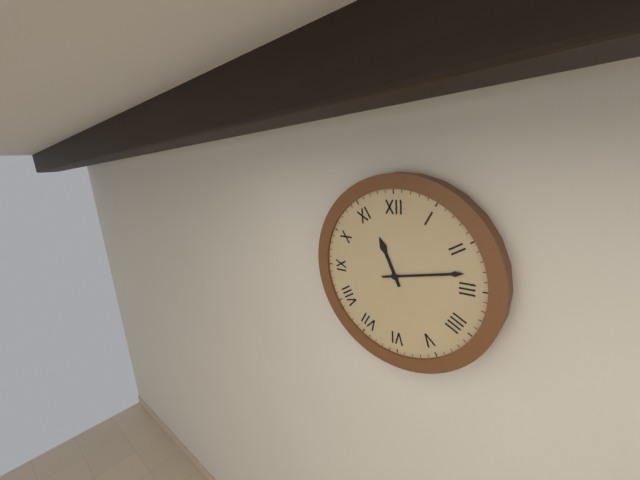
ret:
11.13
